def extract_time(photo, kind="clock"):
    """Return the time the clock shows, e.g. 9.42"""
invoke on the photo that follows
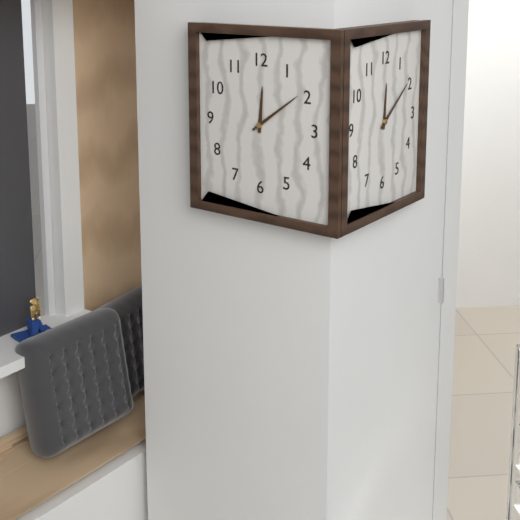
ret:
12.09
